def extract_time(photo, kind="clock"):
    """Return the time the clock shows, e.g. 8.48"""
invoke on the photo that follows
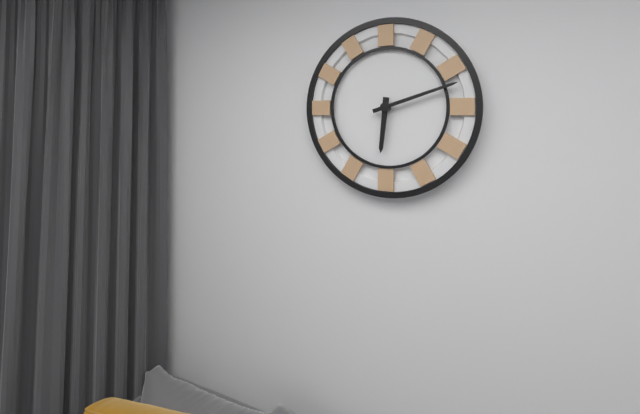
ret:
6.12
